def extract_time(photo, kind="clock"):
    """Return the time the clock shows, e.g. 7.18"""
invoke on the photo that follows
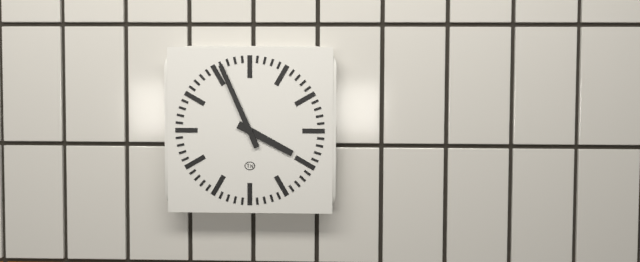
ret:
3.56
